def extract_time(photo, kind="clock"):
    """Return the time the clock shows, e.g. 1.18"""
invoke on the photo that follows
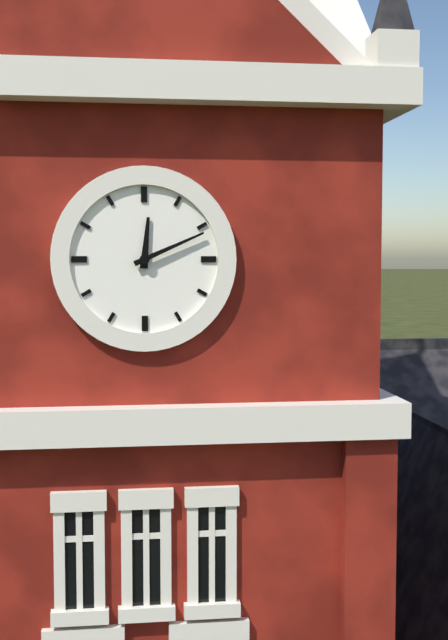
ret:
12.11
